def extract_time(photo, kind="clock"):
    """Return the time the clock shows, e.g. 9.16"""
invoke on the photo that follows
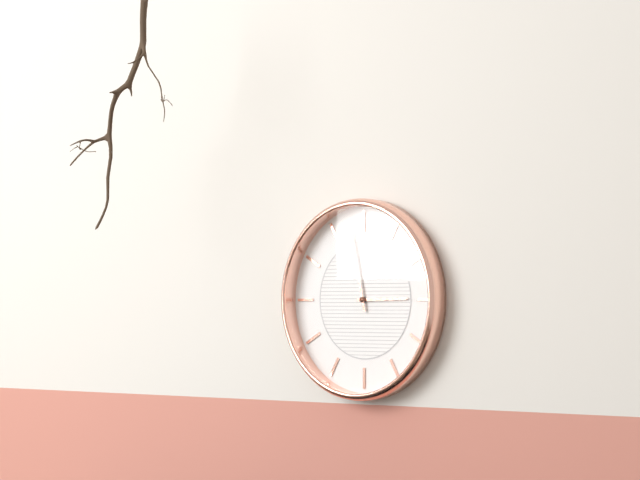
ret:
2.58
